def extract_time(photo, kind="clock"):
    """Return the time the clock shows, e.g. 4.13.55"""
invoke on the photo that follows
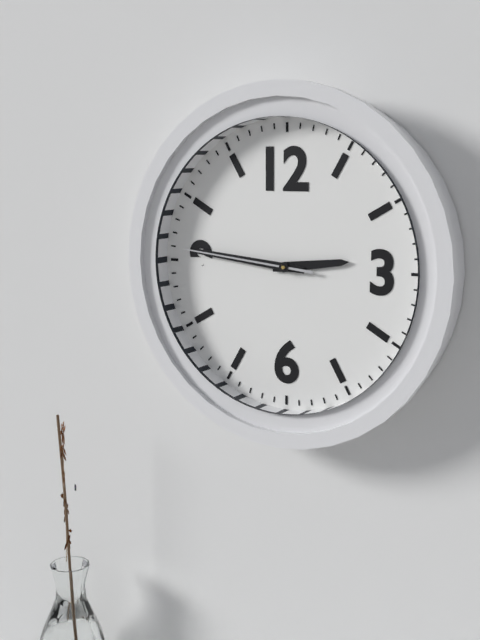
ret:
2.46.46
